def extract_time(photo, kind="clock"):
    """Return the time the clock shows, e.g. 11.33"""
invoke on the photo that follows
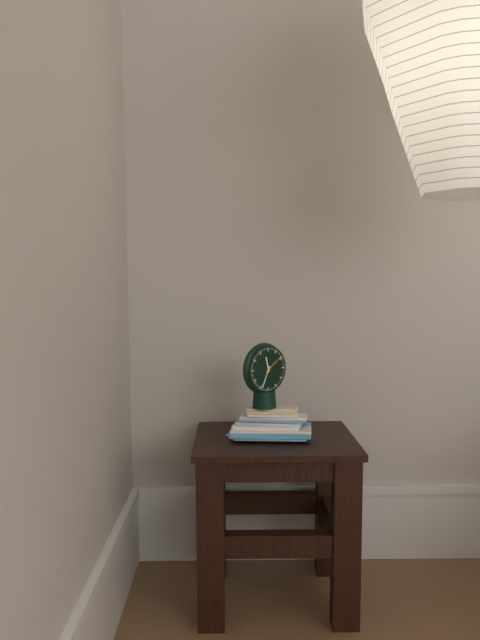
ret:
11.34
